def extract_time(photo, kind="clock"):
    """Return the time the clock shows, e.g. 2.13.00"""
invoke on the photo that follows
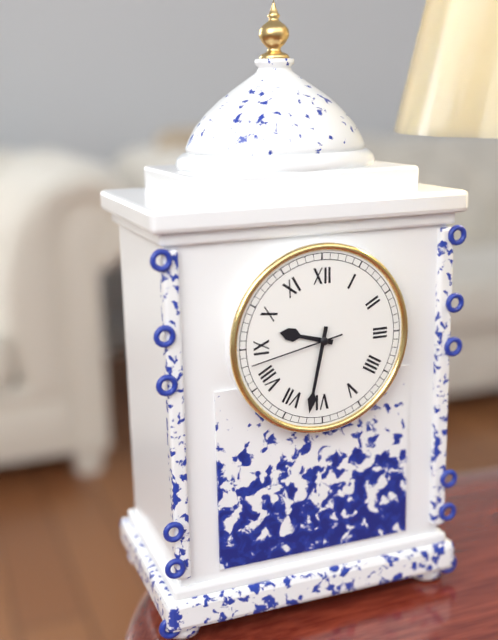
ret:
9.32.43
